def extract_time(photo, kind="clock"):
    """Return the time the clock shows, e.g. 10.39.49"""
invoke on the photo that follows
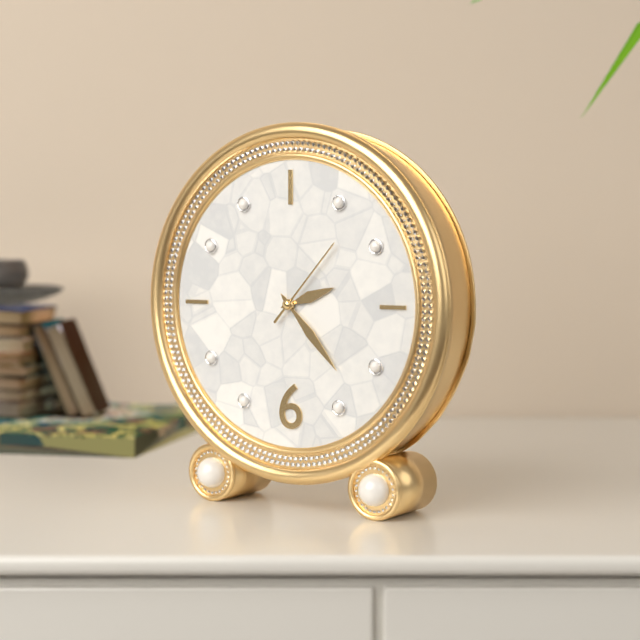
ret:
2.23.07
